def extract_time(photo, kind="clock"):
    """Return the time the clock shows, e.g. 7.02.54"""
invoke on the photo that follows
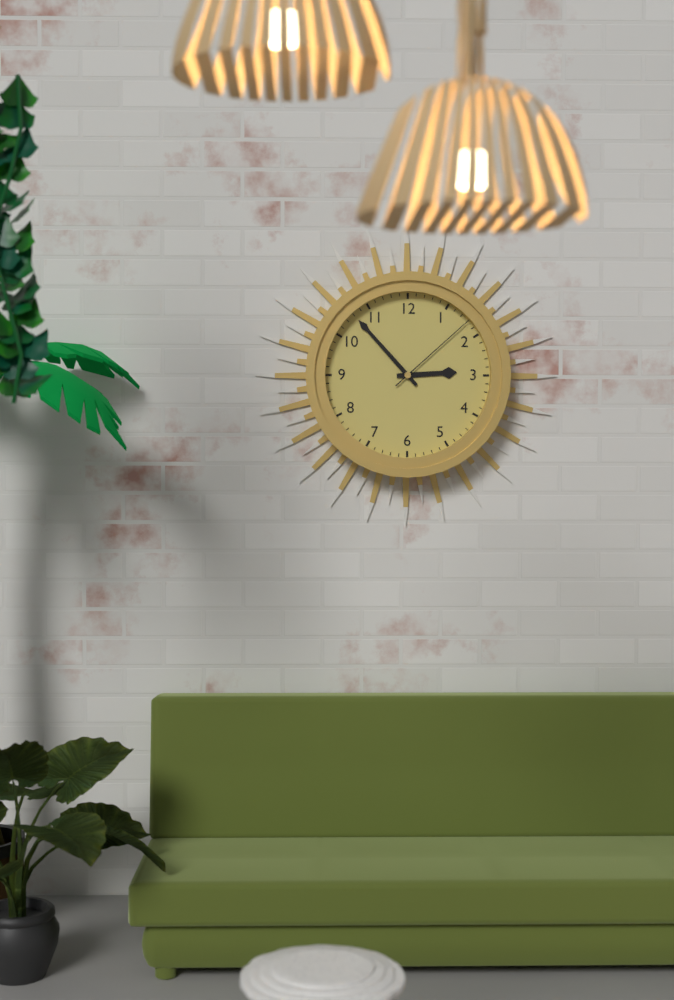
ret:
2.53.08
